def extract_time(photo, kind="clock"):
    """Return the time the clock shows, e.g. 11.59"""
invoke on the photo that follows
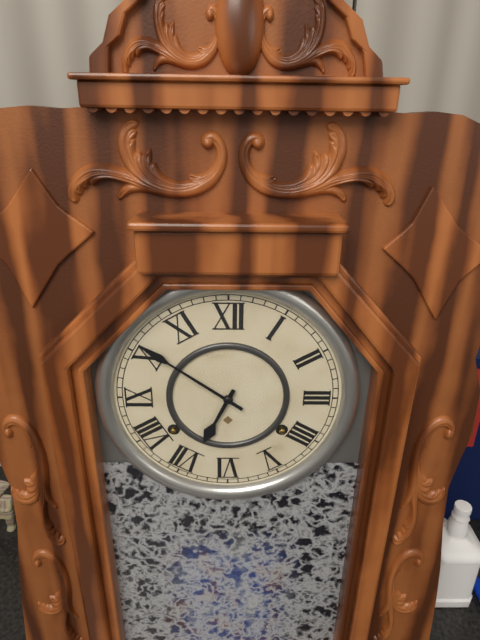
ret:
6.51
